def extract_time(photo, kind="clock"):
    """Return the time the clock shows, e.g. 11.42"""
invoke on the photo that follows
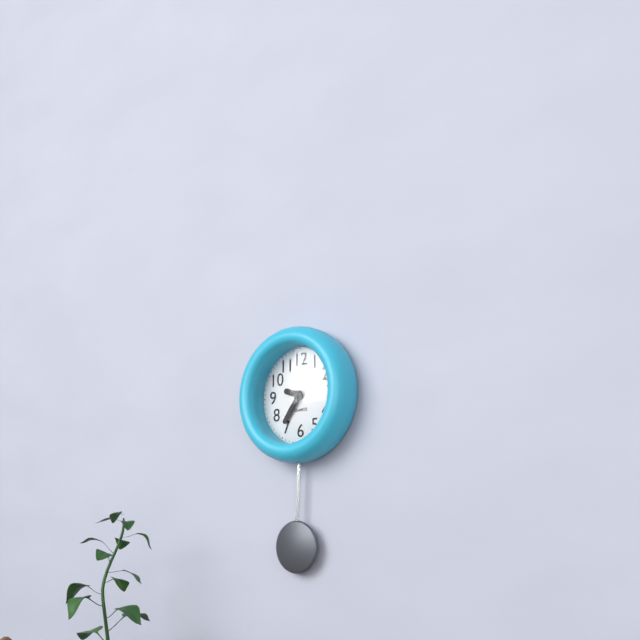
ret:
9.36
